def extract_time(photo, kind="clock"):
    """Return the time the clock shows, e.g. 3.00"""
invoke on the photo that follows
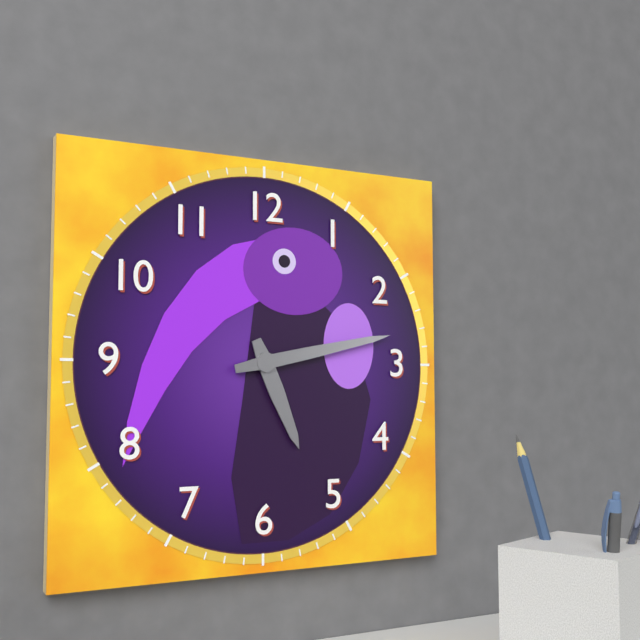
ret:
5.13
